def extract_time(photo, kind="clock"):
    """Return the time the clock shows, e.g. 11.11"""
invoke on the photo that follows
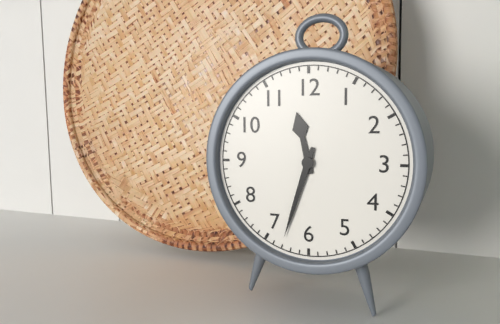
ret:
11.33
